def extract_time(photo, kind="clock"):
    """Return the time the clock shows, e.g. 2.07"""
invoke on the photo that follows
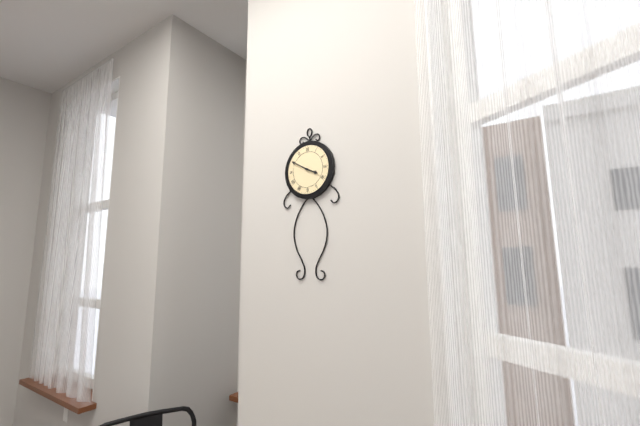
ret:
3.50
